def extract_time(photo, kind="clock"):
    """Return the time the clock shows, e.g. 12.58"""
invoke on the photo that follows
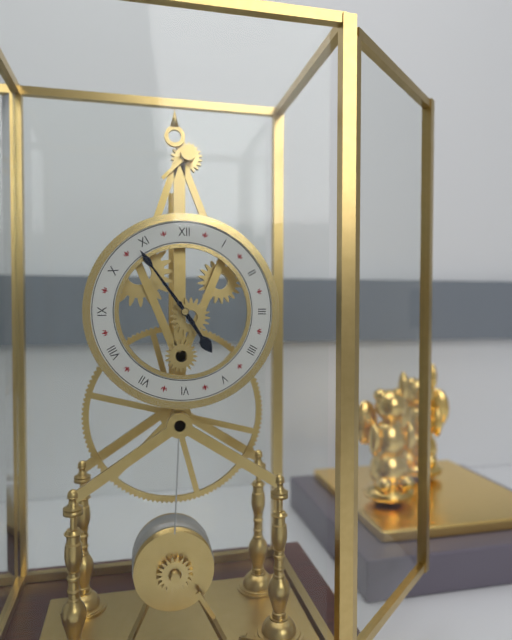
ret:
4.54
